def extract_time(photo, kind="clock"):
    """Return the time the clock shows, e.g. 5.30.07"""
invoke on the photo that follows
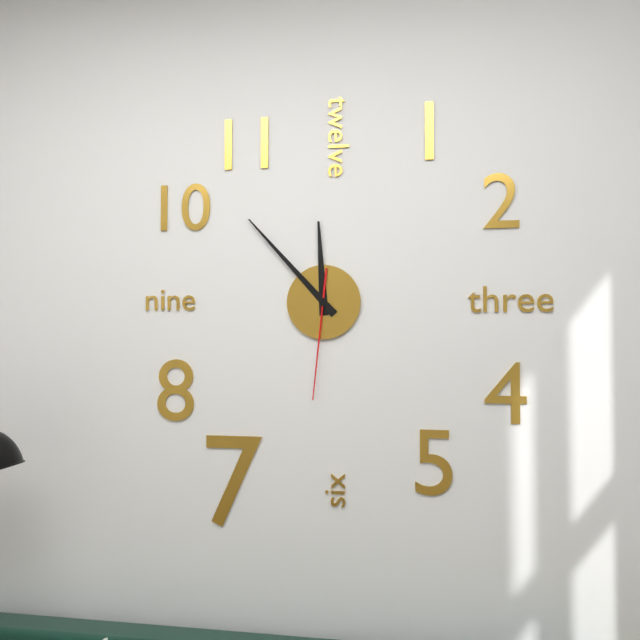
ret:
11.53.31
